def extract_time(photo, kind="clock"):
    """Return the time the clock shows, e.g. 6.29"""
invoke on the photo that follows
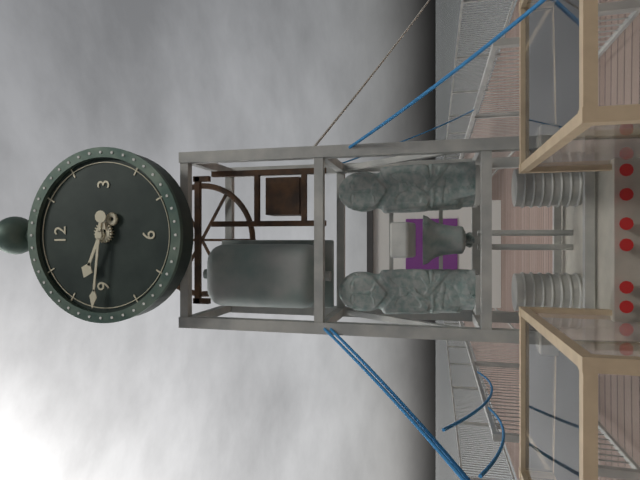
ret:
9.46
